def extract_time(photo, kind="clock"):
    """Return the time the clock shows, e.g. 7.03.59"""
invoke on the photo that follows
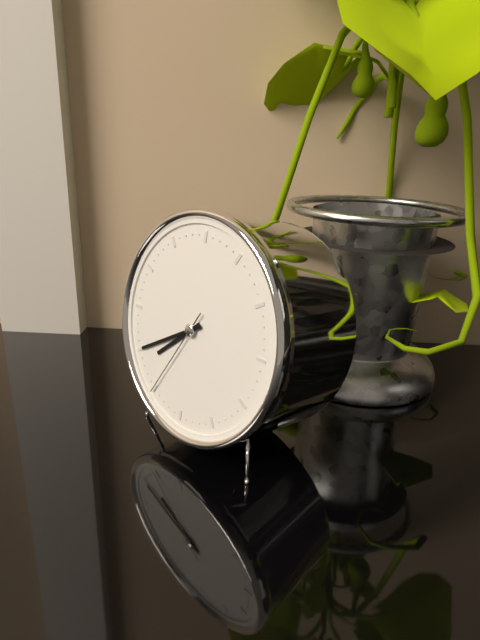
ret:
7.40.35
